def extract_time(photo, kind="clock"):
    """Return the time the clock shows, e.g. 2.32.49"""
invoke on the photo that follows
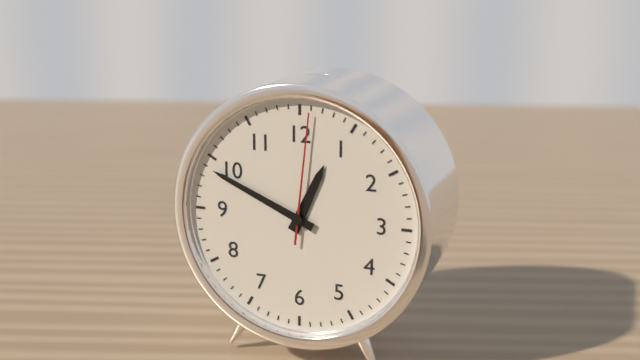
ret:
12.49.01
